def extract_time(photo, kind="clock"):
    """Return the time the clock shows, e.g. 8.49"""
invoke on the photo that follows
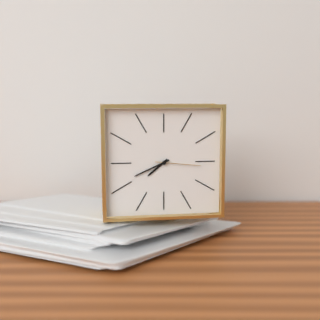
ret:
7.41
